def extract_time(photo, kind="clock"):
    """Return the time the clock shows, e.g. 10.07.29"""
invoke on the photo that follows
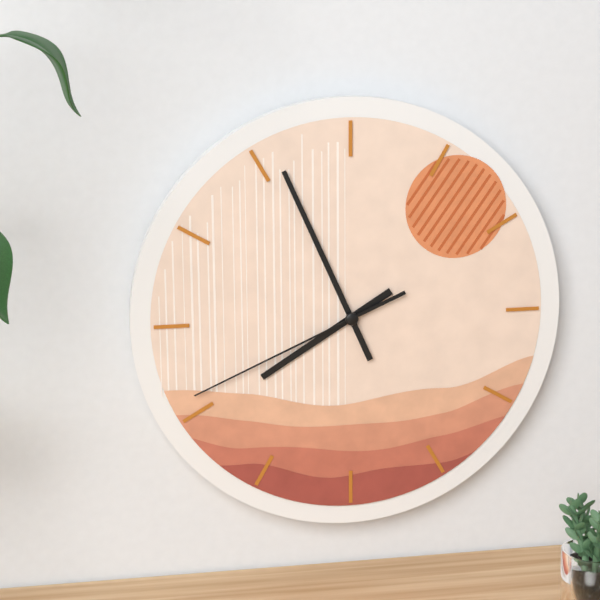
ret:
7.56.41
